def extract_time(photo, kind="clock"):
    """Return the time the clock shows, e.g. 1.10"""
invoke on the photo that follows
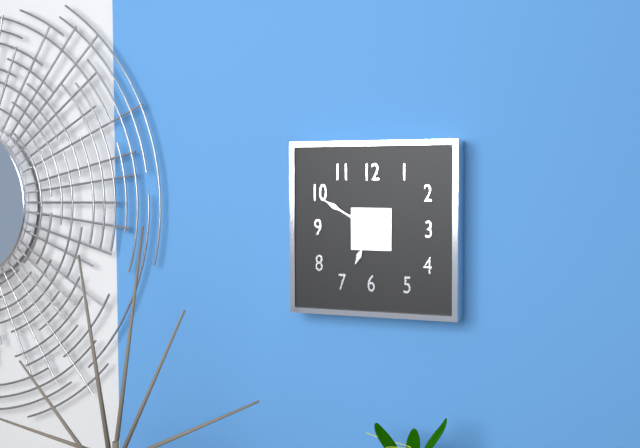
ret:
6.50
